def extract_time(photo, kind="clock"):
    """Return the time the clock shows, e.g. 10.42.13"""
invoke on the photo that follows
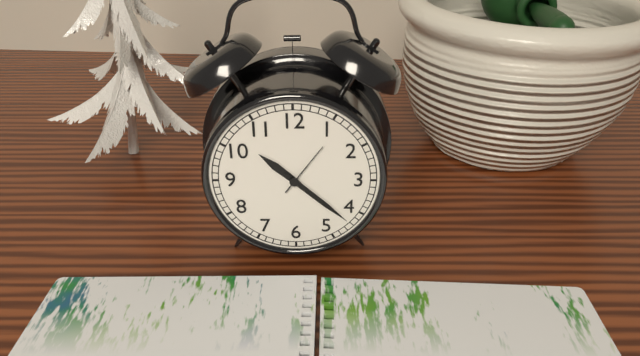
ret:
10.22.06
